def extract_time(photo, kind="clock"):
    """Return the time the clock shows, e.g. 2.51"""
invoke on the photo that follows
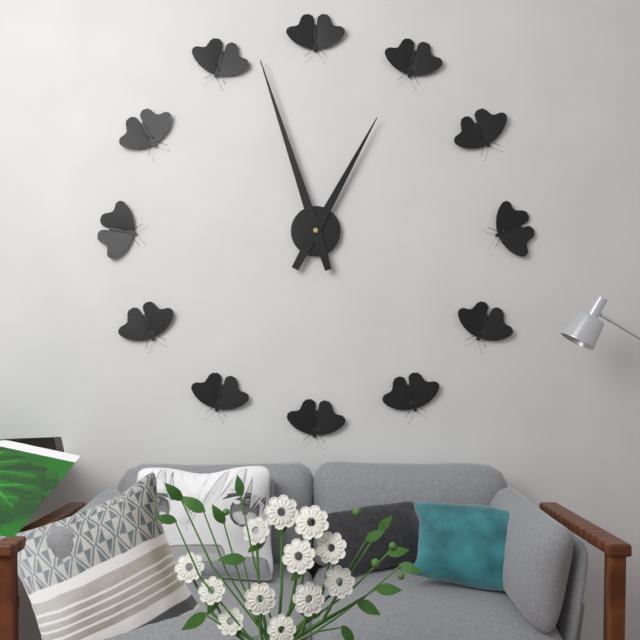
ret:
12.57
